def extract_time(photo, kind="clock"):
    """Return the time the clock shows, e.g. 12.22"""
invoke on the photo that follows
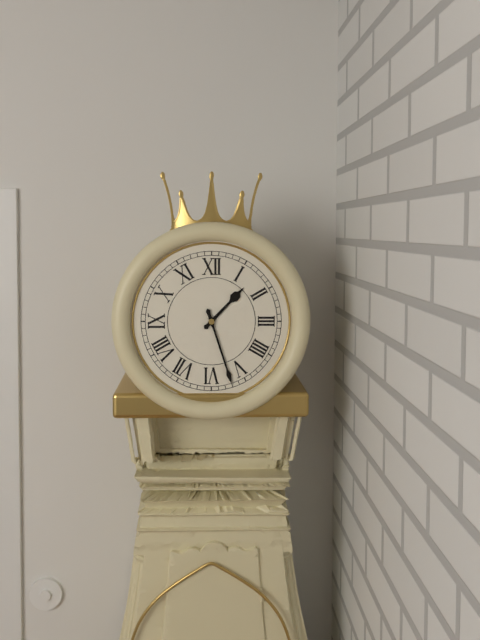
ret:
1.27
